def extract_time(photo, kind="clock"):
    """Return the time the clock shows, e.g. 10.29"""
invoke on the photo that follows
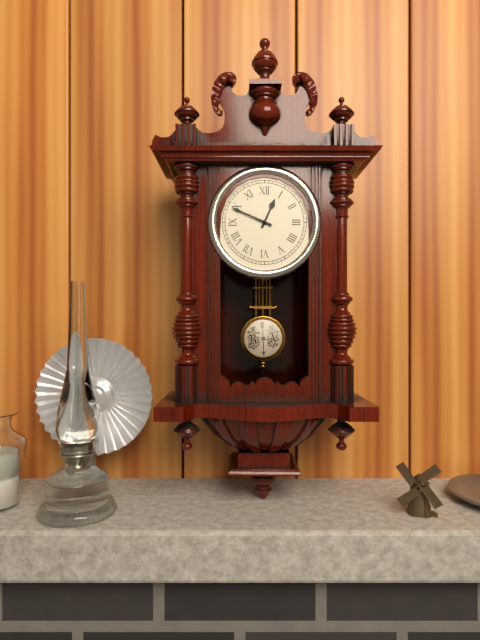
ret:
12.49
